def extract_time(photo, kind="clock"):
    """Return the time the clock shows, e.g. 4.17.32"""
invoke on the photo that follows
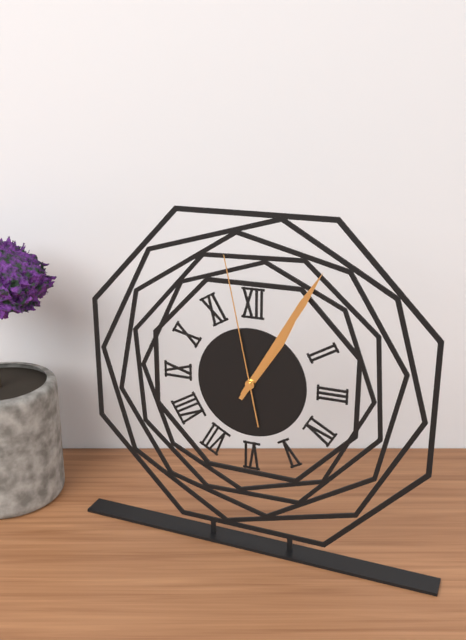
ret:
1.05.58
